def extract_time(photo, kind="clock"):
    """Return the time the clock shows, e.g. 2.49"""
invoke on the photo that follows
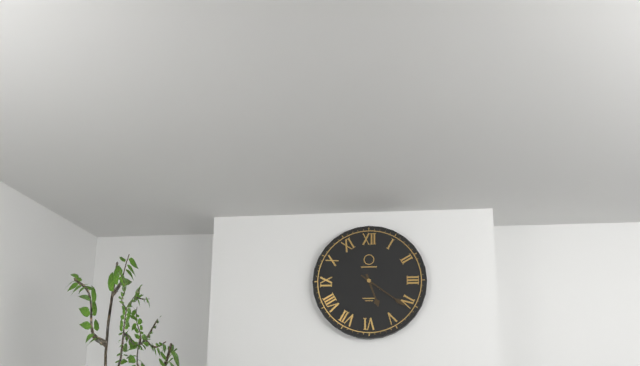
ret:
5.21
